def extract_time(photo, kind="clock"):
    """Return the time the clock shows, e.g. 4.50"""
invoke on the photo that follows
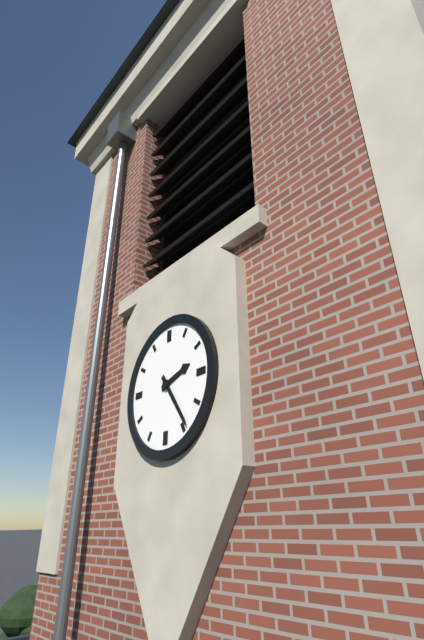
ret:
2.24
